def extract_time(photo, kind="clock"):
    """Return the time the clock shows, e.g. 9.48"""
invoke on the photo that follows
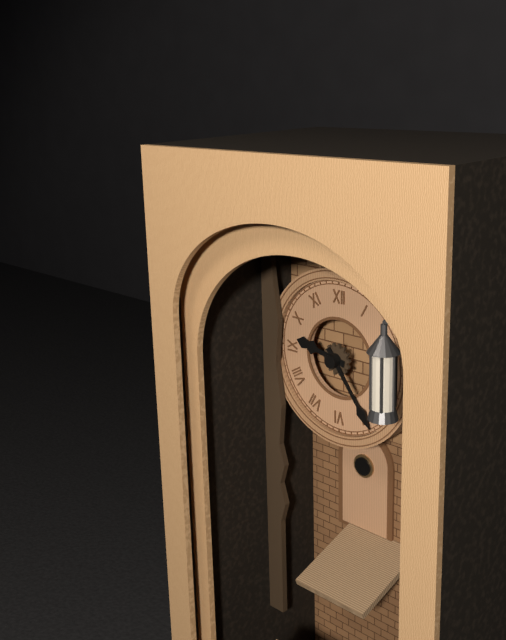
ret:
9.24
